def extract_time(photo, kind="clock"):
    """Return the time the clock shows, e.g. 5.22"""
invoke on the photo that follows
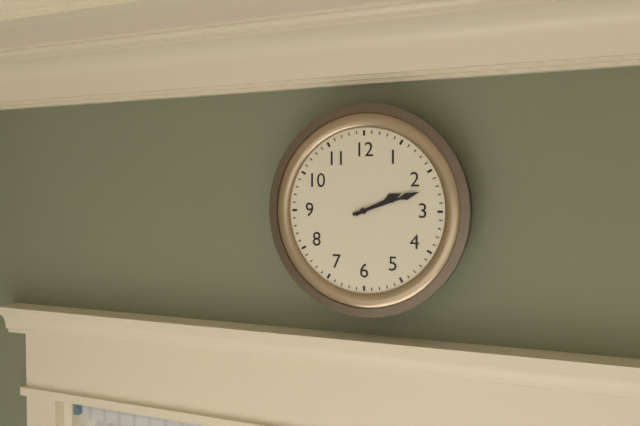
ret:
2.12
